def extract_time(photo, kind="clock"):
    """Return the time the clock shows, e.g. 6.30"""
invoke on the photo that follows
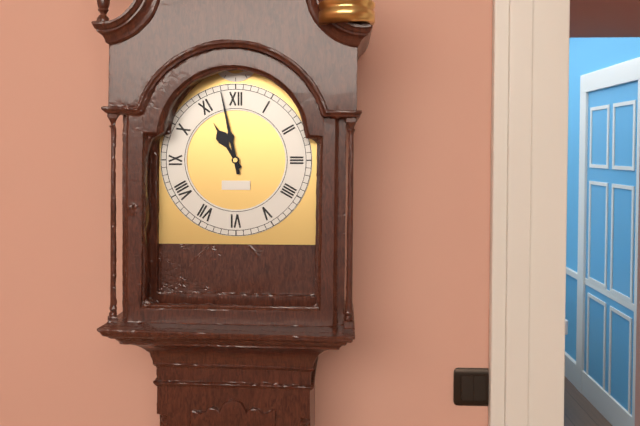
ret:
10.58
